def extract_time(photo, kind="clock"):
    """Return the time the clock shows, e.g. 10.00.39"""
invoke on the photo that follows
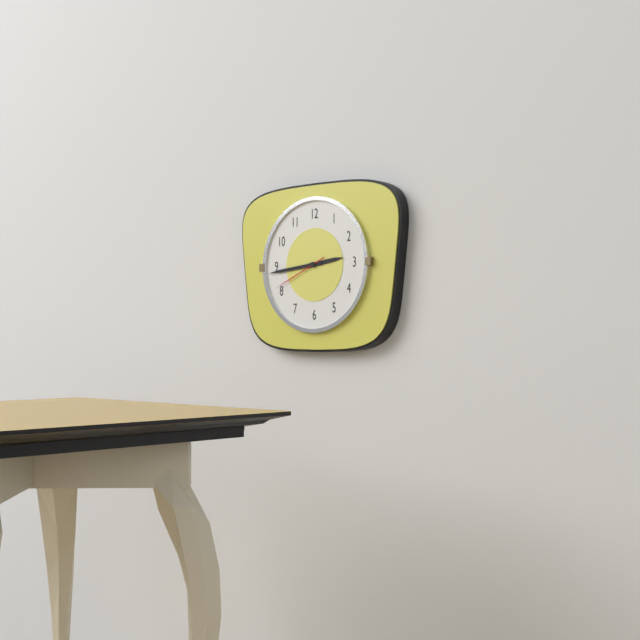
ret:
2.44.41
